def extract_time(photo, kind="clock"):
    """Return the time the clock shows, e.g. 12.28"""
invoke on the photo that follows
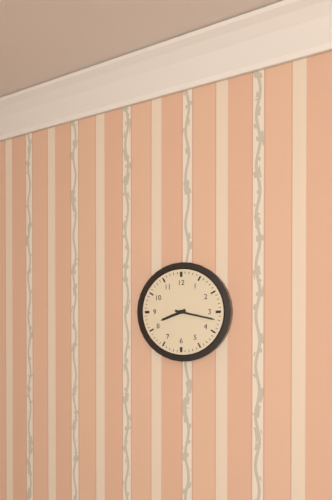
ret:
8.17
